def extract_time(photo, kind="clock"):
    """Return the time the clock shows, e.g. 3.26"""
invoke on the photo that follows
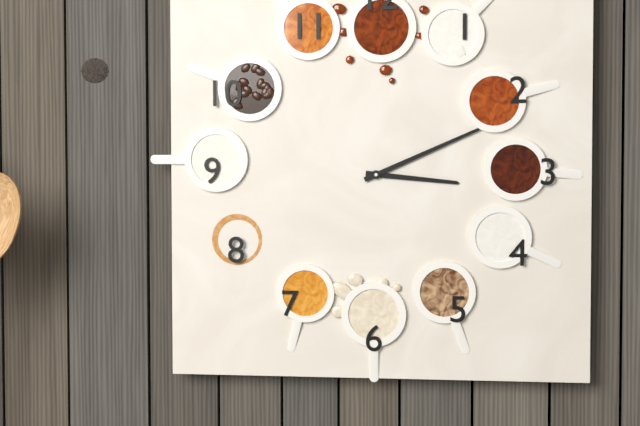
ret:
3.11
